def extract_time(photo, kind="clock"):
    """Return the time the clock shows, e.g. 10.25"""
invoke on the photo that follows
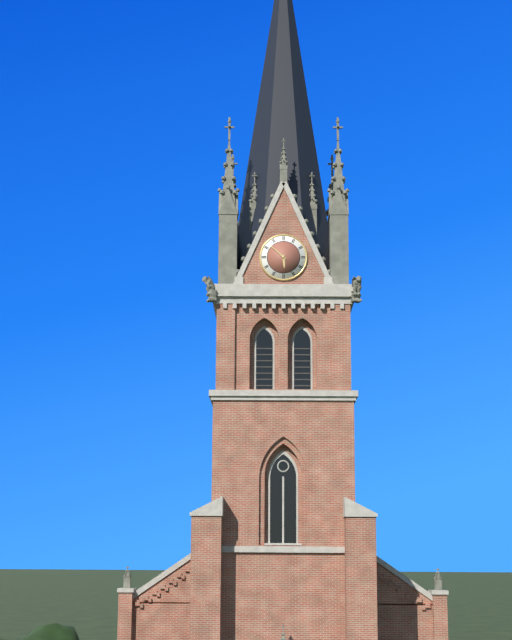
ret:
5.52
